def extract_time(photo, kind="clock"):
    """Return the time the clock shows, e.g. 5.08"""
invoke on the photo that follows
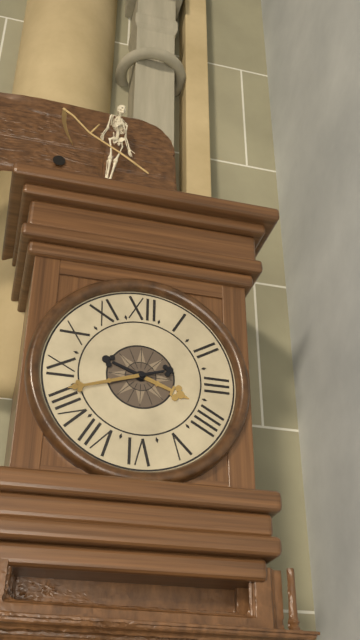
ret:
3.42
